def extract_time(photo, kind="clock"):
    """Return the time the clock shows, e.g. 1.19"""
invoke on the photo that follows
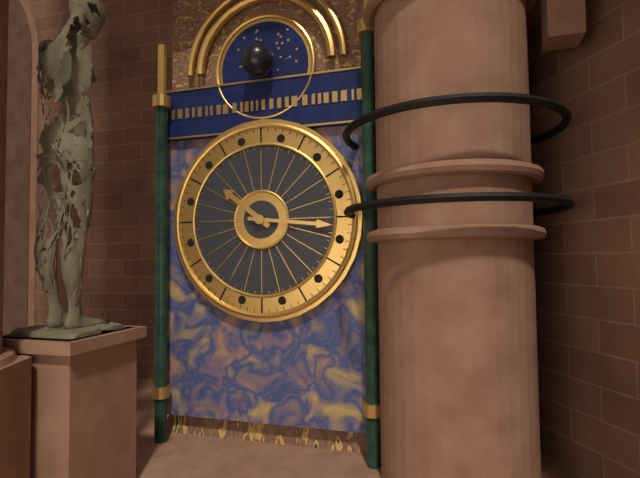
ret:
10.16
